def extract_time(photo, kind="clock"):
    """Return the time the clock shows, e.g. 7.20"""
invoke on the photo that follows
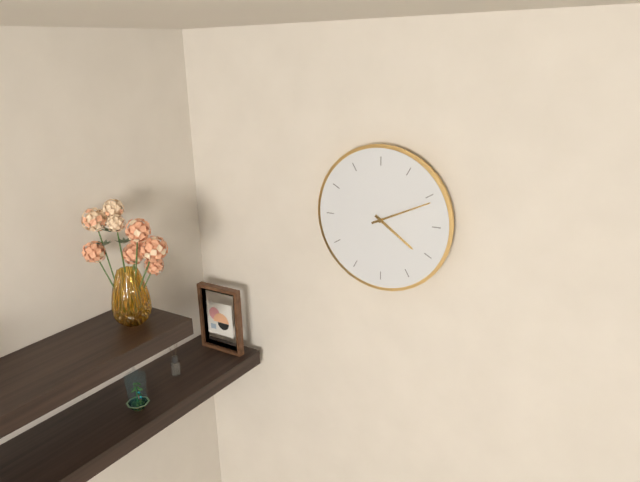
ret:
4.11
